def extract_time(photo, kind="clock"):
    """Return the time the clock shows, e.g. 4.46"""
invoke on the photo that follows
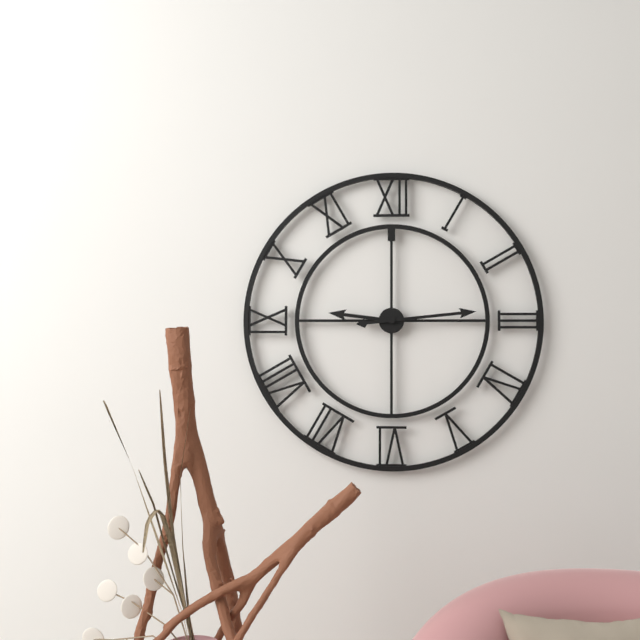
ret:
9.14
